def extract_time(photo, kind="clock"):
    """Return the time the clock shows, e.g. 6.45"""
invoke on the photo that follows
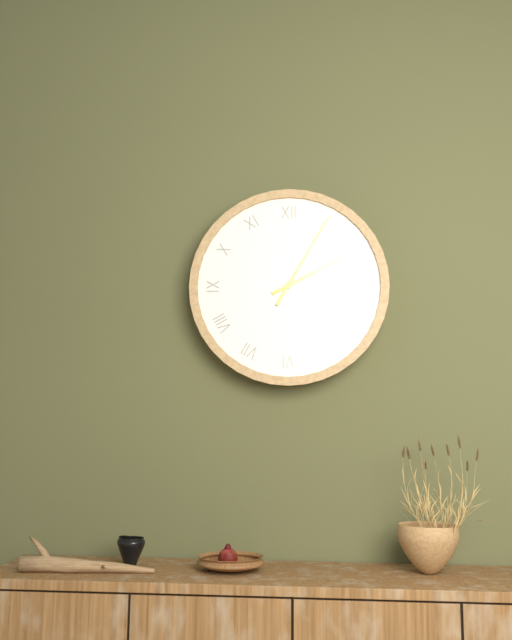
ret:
2.05
